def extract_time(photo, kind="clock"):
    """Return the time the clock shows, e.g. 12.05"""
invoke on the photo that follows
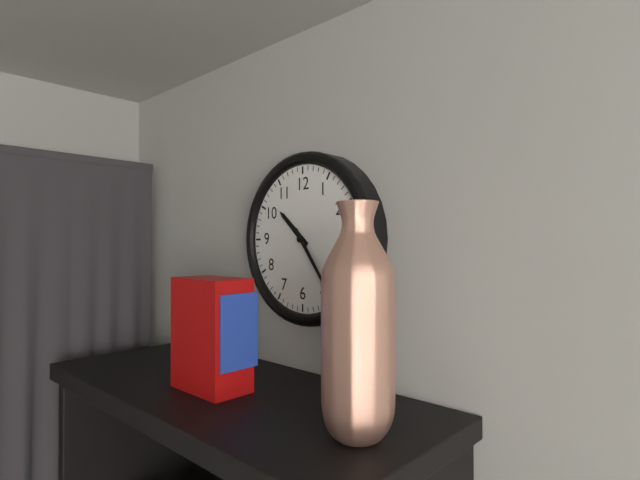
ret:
10.24
